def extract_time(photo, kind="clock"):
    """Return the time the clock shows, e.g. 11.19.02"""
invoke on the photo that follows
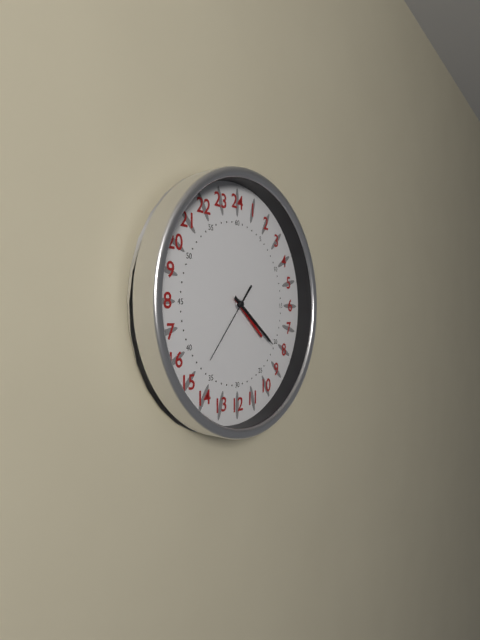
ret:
4.21.37
